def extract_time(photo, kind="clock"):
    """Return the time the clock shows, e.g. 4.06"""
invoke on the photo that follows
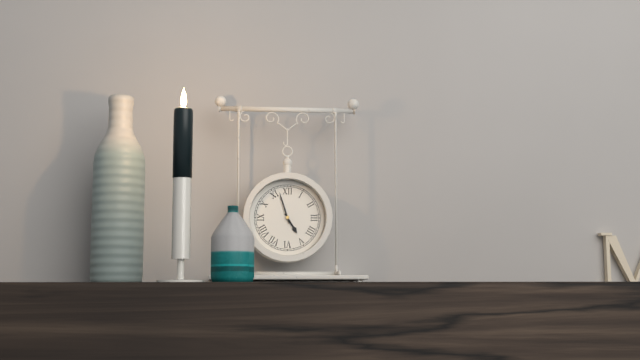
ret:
4.57
